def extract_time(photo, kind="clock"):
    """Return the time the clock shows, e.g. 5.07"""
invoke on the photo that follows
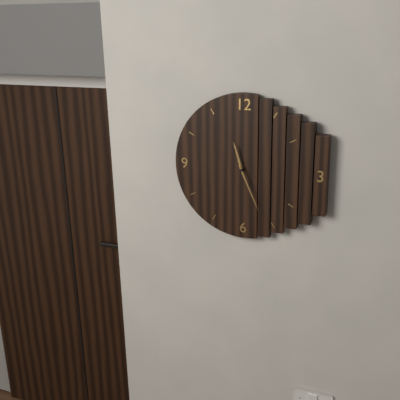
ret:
11.26
